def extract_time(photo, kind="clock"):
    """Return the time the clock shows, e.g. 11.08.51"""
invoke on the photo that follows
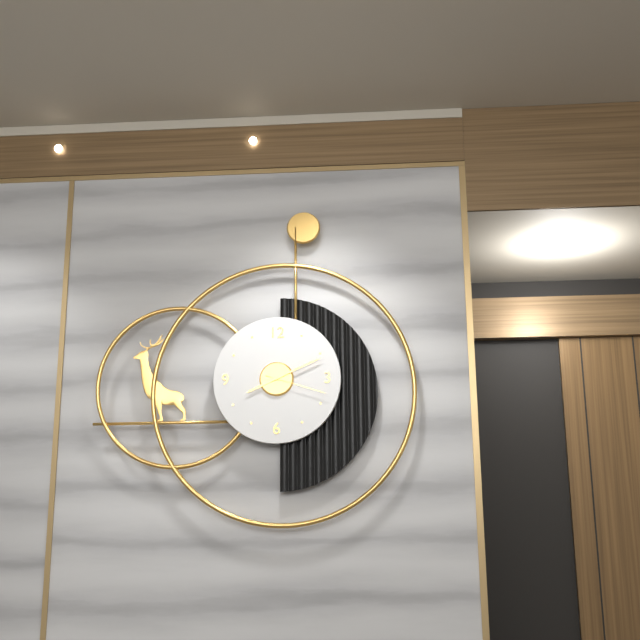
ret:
8.11.18
